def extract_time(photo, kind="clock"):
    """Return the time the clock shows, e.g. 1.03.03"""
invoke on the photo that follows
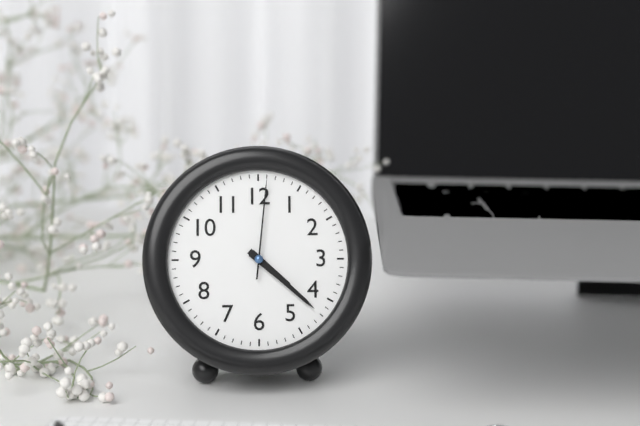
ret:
4.22.01
